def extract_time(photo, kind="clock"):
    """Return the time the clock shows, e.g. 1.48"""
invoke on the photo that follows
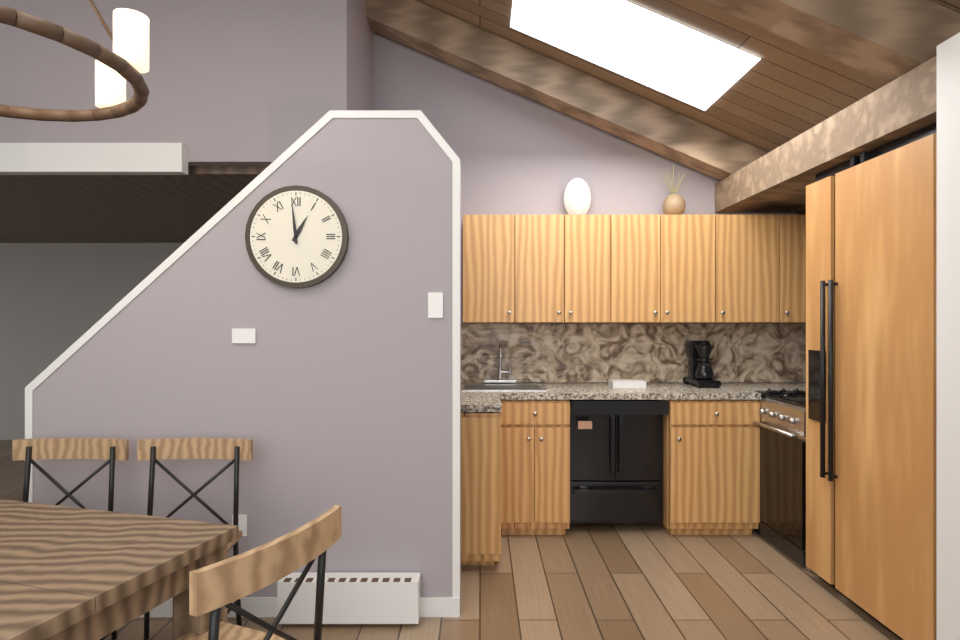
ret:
12.59
